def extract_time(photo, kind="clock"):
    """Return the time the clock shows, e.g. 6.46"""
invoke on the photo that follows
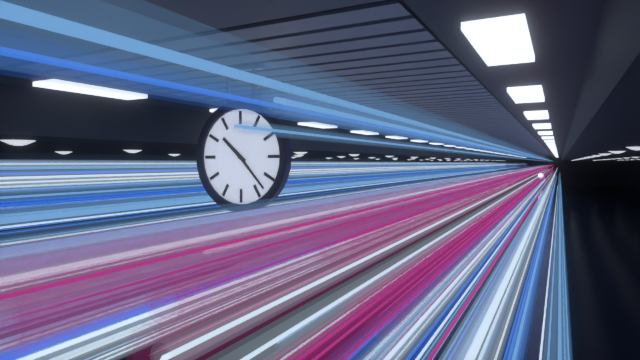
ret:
10.23
